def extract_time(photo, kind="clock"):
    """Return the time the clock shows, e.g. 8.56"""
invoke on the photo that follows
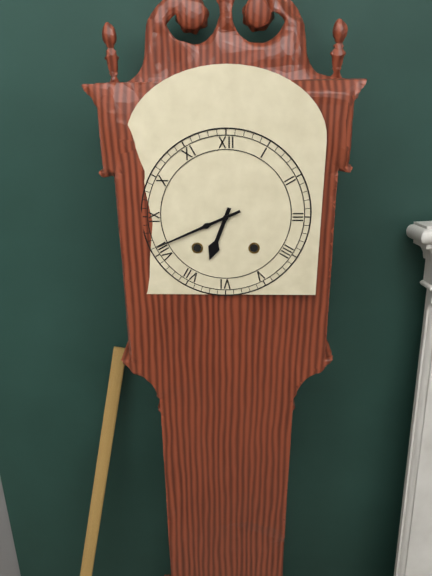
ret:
6.41
